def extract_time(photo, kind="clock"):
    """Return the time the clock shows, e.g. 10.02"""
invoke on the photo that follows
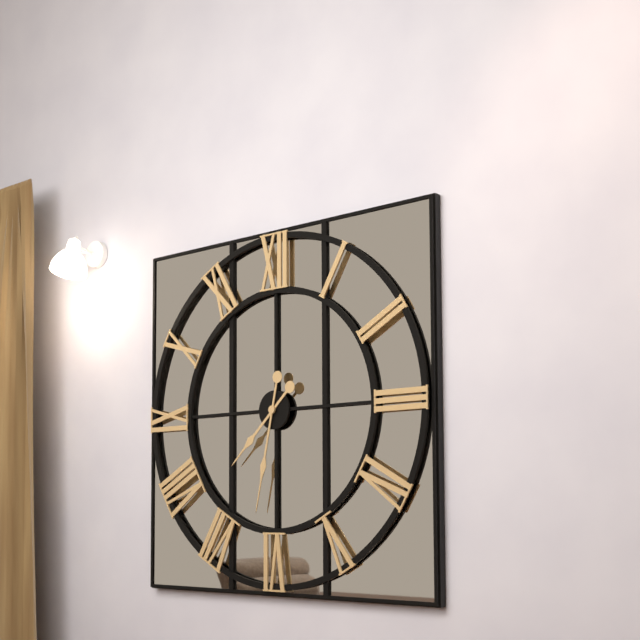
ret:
7.32
